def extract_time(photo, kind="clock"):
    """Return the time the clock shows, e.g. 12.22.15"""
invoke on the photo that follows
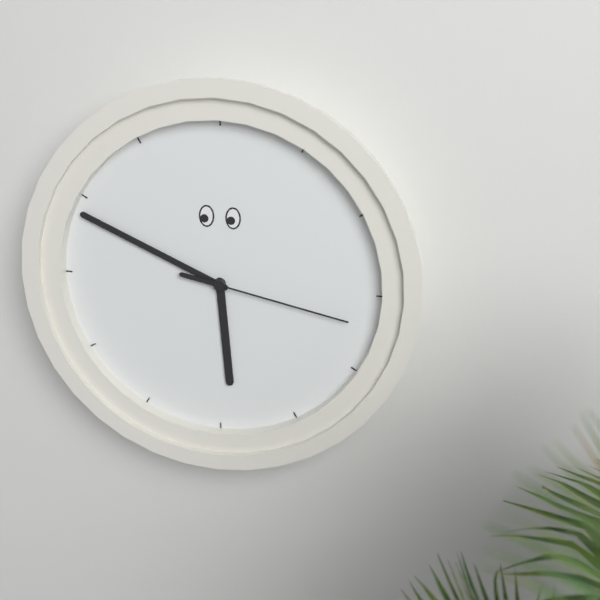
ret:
5.49.17
